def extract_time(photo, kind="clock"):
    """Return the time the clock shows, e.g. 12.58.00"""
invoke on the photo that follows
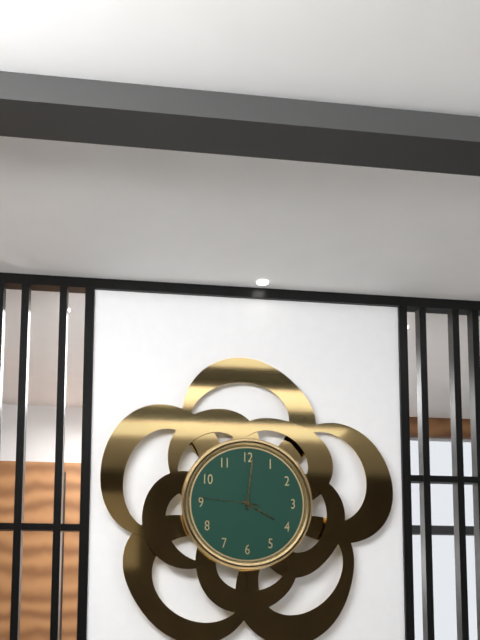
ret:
4.01.46
